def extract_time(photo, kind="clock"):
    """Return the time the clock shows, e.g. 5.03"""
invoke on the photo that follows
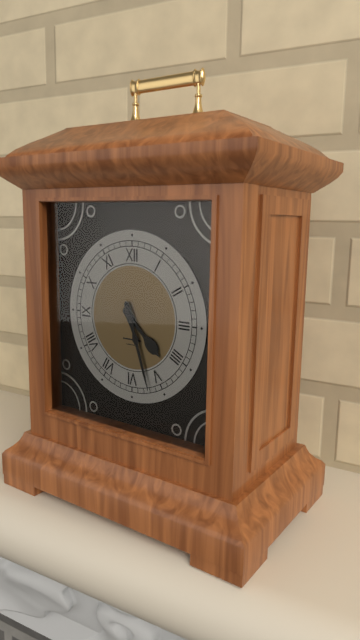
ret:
4.27
